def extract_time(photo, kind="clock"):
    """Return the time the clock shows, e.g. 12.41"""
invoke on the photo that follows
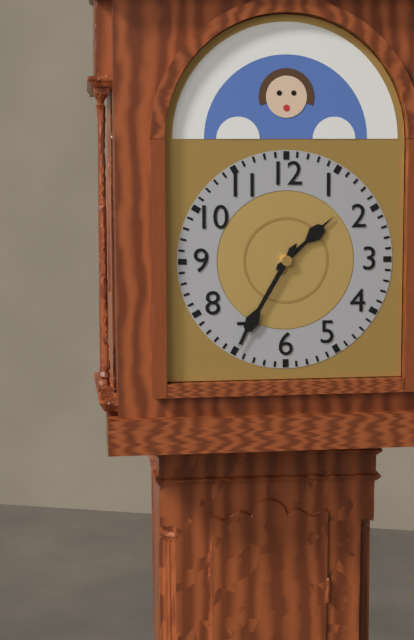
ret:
1.35
